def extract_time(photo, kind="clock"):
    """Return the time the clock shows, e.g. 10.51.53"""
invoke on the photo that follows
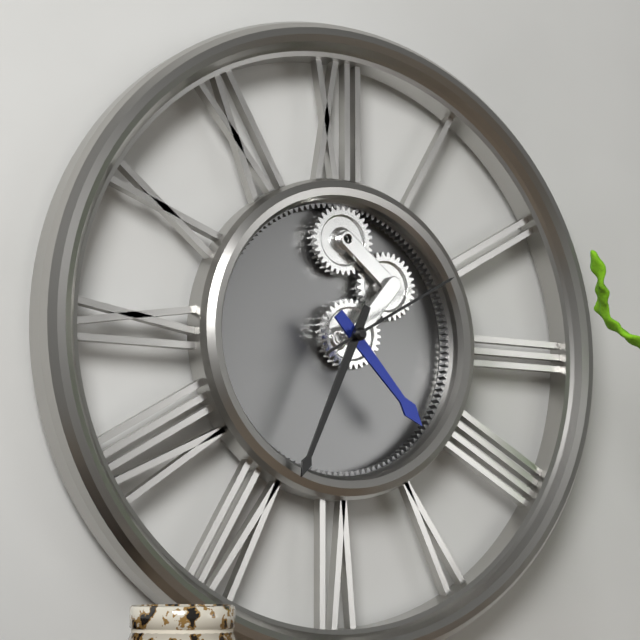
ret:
4.34.10
